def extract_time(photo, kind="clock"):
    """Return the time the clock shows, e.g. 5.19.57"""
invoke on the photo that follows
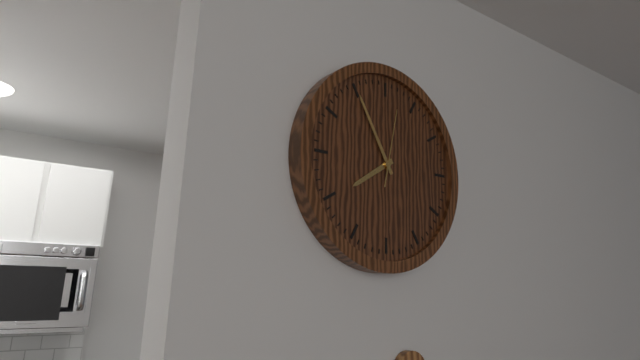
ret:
7.55.02
